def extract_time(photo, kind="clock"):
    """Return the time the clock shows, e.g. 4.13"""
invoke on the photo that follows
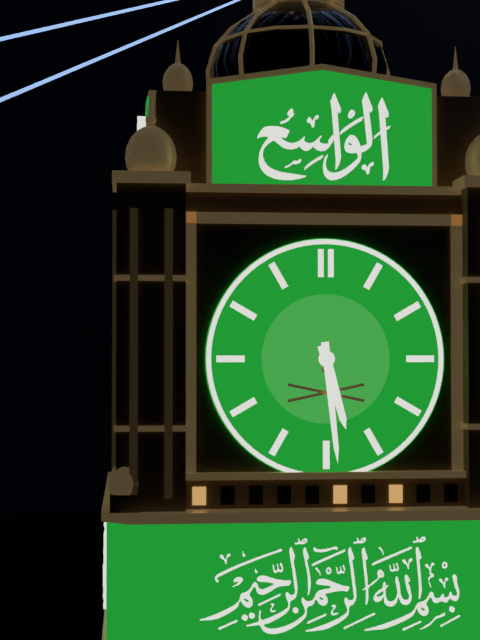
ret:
5.29
